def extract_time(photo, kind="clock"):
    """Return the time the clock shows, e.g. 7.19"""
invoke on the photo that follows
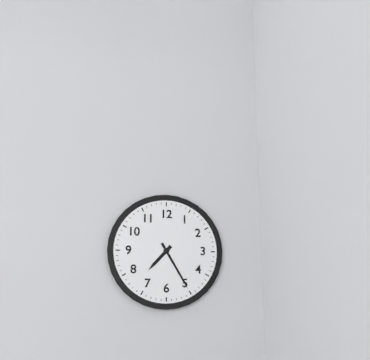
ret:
7.25
